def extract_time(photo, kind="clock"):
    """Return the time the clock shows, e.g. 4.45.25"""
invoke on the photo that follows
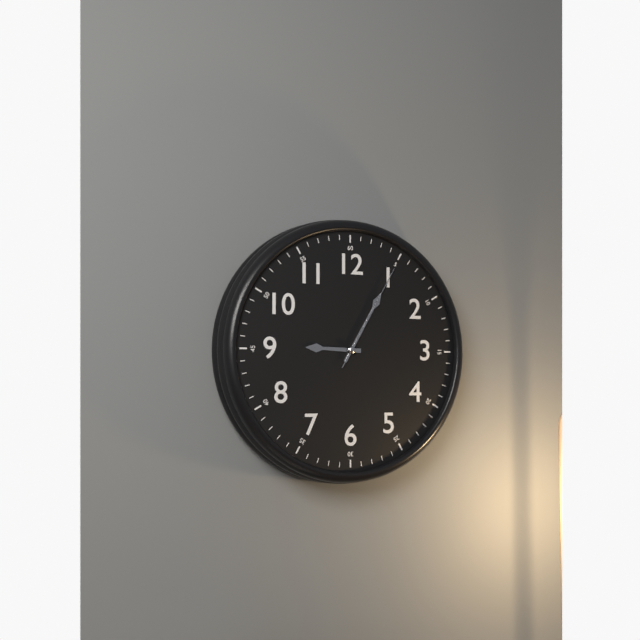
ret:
9.05.05
